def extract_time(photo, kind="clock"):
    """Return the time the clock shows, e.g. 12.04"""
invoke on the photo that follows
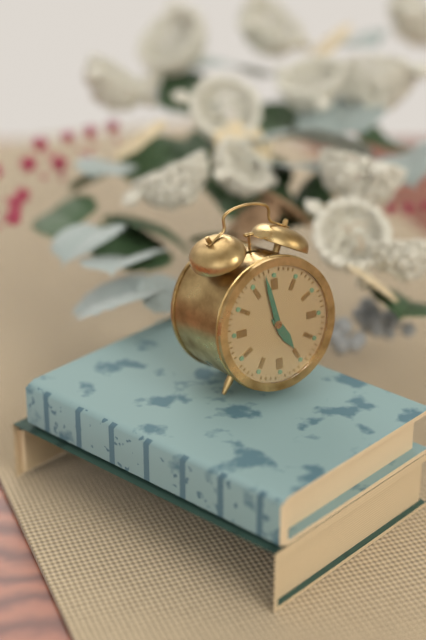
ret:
4.58
